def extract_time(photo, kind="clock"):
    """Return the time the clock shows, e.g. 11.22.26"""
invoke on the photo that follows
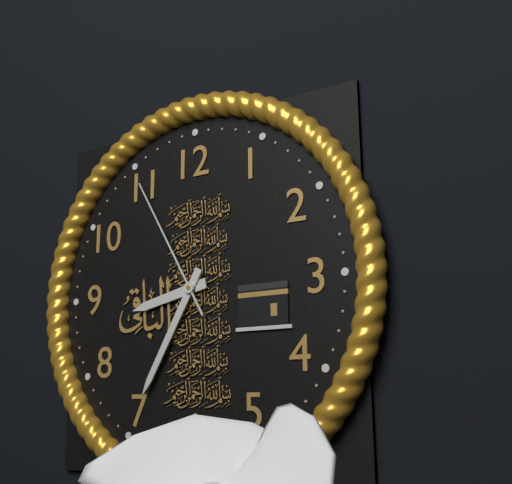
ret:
8.35.55
